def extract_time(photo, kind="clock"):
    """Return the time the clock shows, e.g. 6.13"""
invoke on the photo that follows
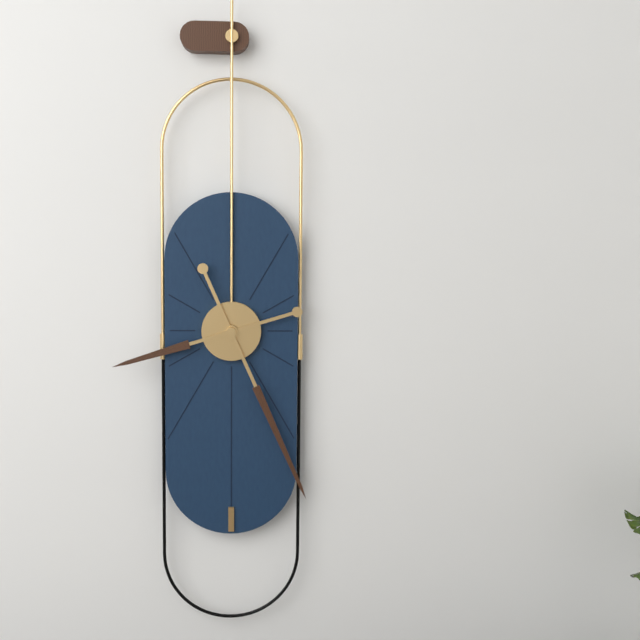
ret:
8.26
